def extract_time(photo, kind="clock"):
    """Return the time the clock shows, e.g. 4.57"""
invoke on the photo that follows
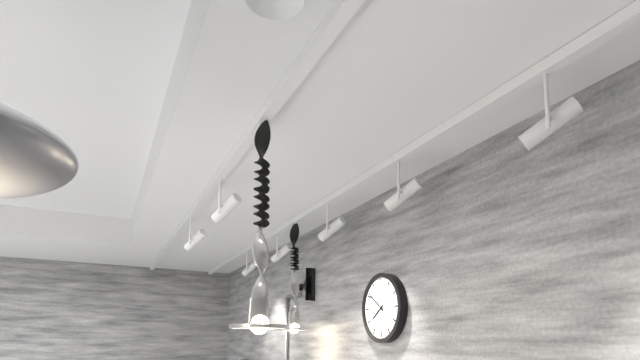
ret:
7.51
